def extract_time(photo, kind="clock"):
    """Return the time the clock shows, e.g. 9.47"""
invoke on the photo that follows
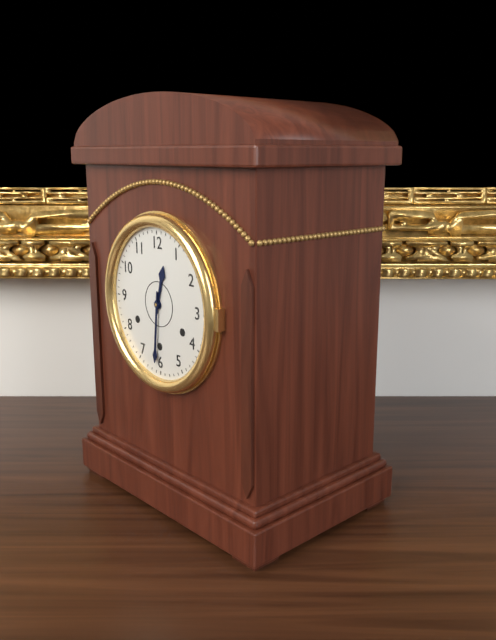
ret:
12.31
